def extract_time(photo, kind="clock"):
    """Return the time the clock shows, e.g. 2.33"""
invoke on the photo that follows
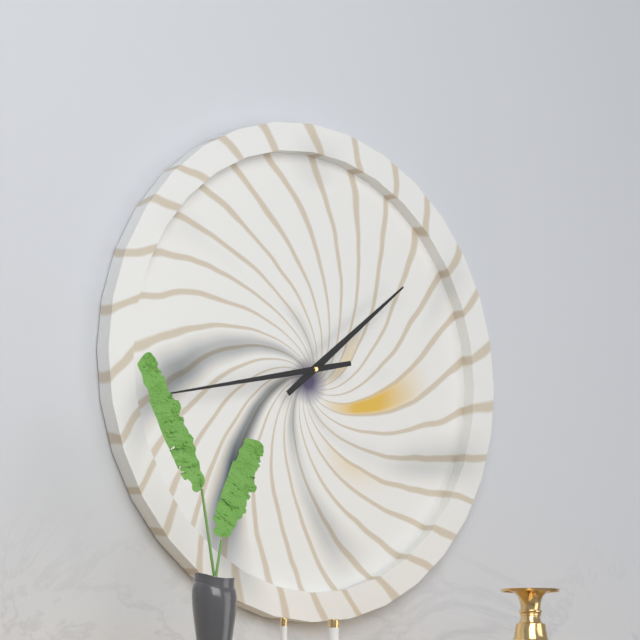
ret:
1.43
